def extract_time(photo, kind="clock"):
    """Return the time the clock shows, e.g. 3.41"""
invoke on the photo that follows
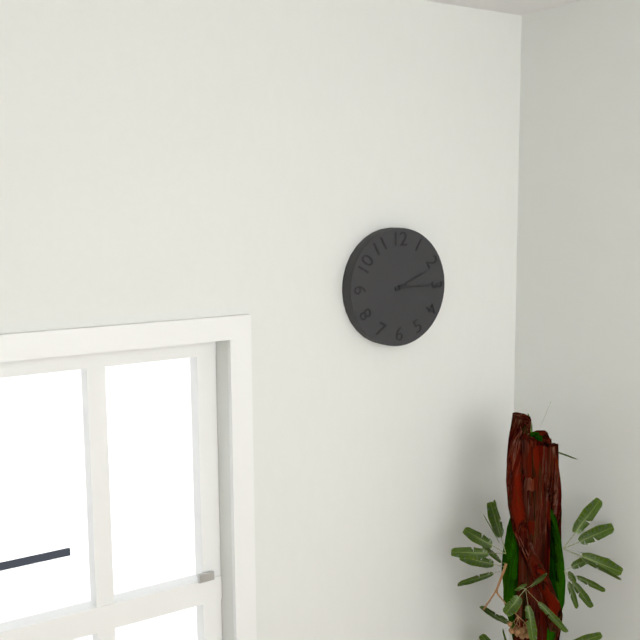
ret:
2.15
